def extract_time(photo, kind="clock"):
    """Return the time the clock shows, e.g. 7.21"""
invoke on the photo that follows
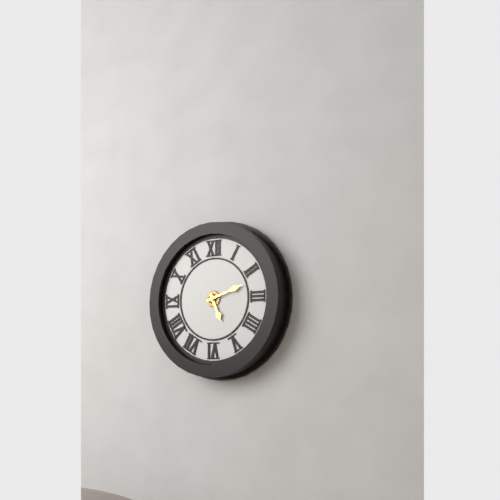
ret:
5.12
